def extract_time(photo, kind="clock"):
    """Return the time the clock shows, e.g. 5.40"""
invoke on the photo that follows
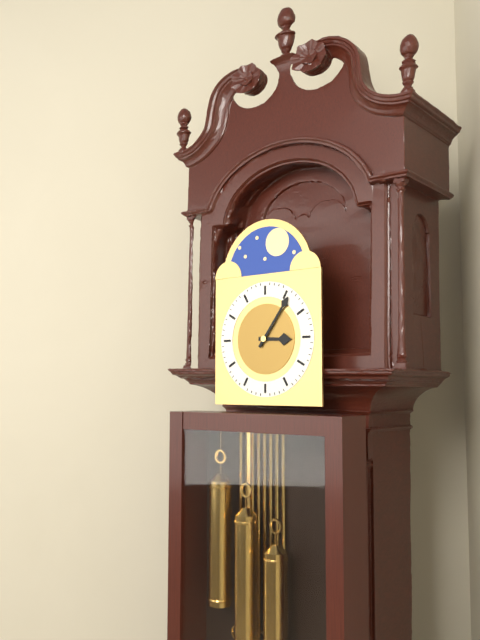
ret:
3.06
